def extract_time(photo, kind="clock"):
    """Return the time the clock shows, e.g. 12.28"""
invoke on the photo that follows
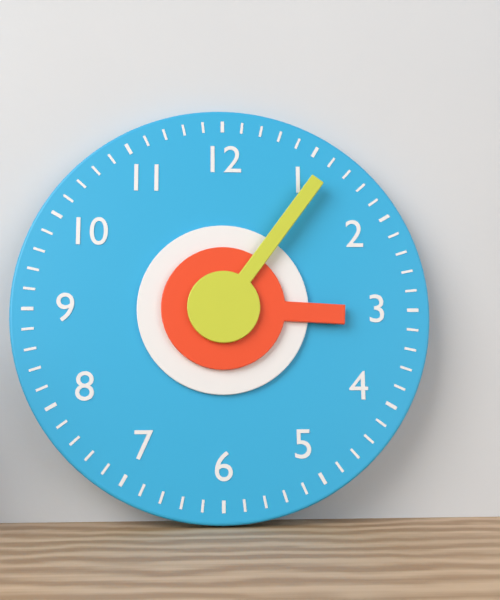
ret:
3.06
